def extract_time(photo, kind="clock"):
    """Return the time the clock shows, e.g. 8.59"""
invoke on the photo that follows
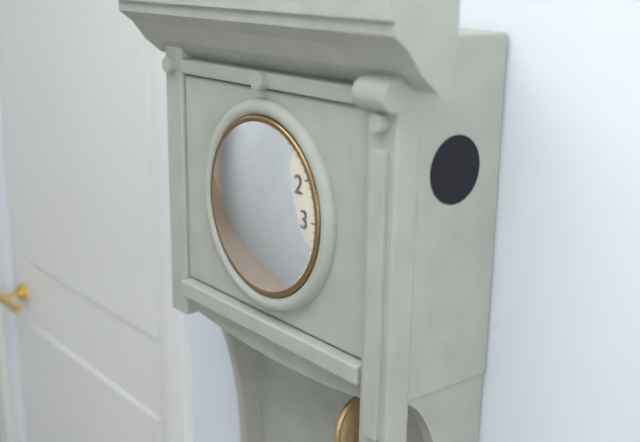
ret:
2.35
